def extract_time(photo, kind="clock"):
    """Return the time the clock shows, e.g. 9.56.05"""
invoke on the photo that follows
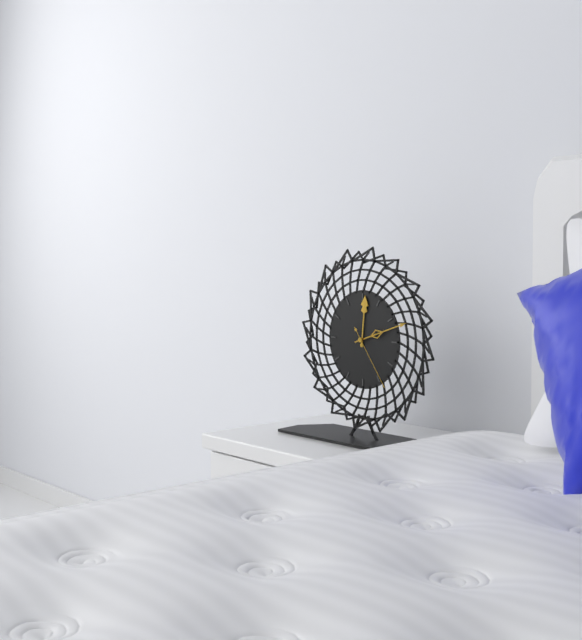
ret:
12.12.24
